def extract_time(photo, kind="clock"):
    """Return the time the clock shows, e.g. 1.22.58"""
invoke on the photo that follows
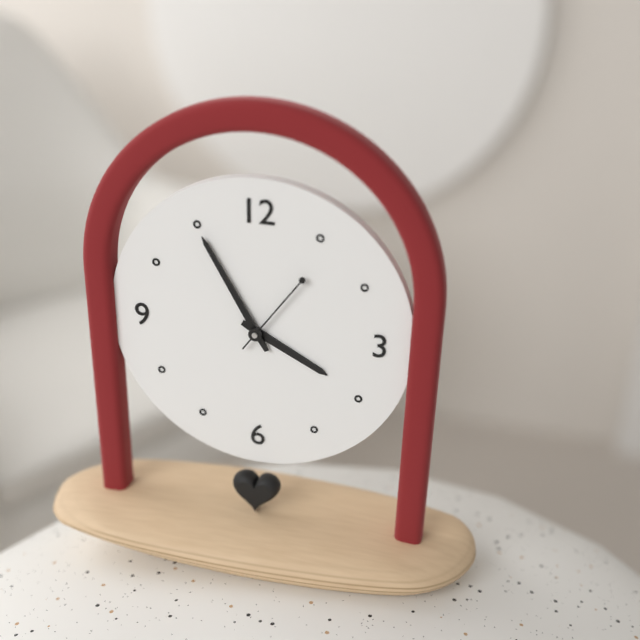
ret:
3.55.06
